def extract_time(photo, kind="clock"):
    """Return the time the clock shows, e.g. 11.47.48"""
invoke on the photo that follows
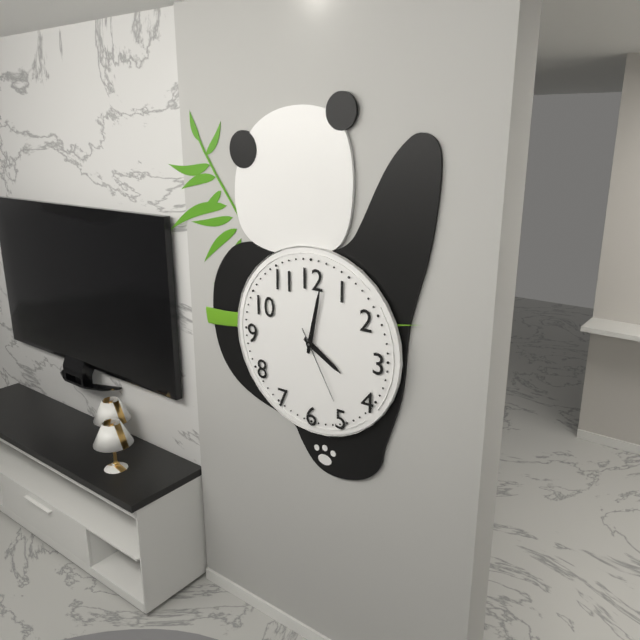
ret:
4.02.25
